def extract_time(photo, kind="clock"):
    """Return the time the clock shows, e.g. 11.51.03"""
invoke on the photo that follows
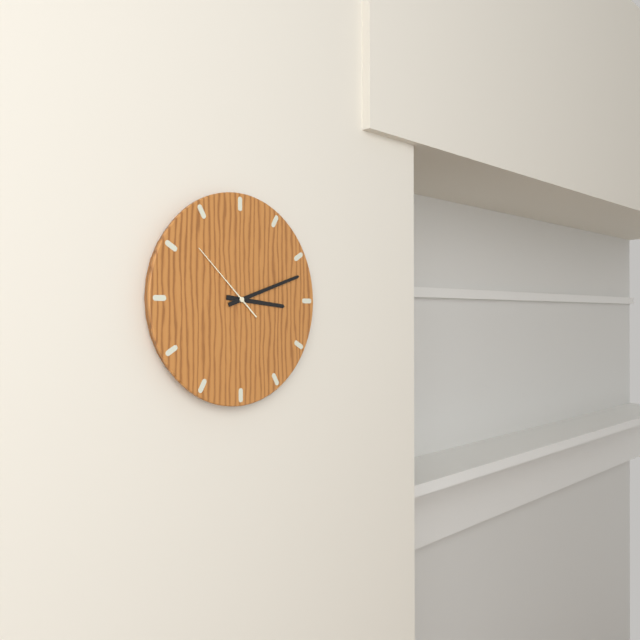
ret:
3.12.52
